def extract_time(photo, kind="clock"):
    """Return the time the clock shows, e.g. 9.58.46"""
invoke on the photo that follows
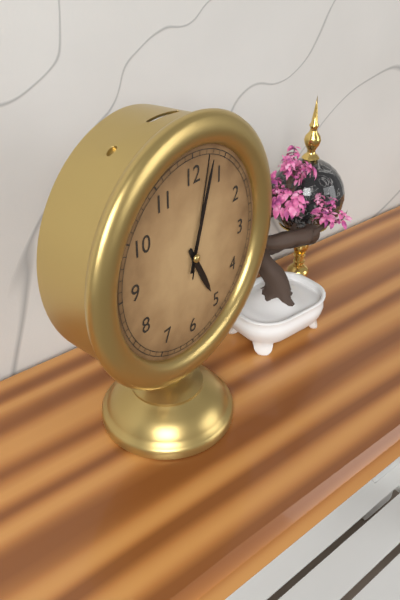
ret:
5.03.02
